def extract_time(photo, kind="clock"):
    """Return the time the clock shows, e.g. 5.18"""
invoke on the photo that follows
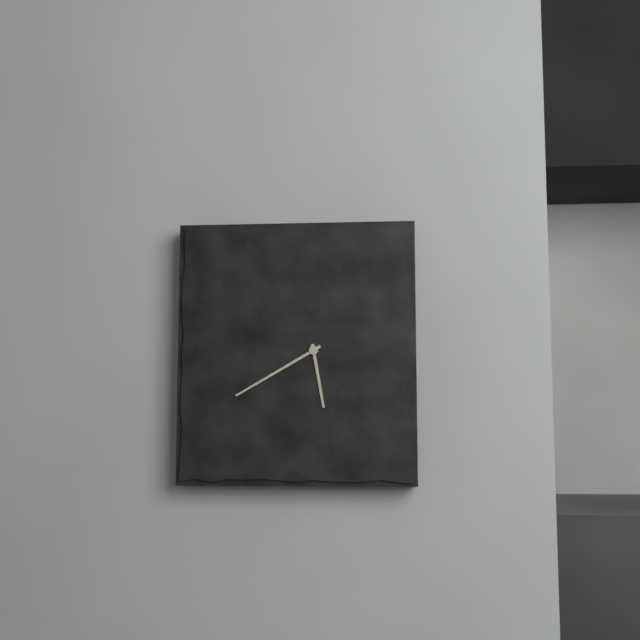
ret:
5.40
